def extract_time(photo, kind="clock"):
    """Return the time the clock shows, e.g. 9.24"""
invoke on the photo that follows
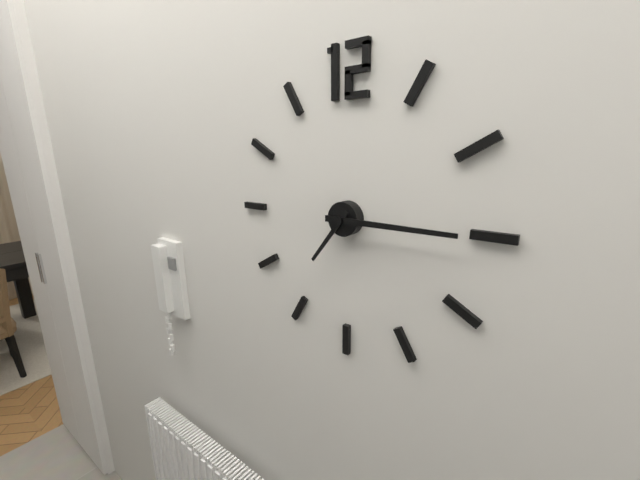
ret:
7.15
